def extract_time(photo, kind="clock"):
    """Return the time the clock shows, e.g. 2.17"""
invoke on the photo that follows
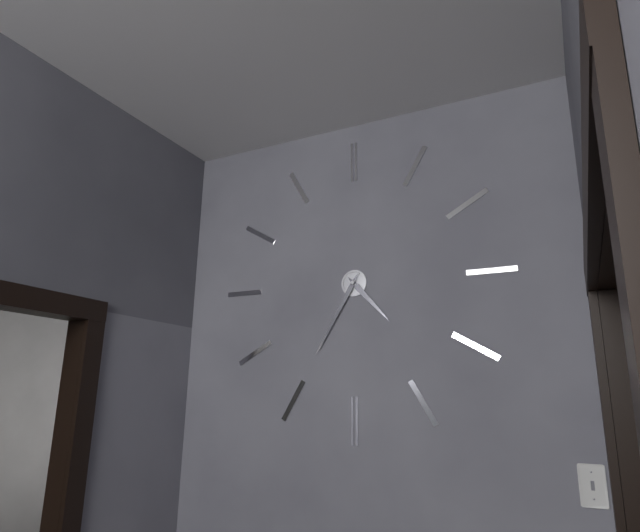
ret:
4.35
